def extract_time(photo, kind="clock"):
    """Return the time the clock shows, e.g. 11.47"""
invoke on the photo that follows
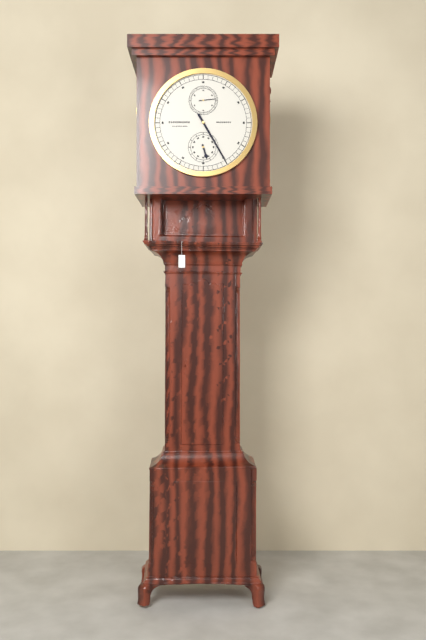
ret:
5.25
